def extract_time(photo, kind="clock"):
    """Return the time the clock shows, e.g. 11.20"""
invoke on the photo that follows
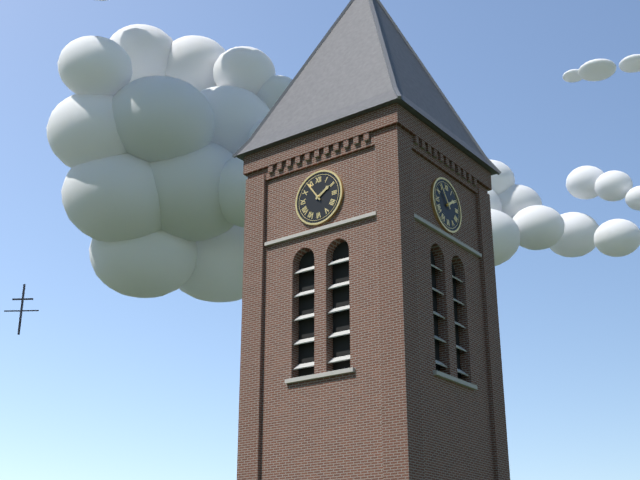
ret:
1.54
